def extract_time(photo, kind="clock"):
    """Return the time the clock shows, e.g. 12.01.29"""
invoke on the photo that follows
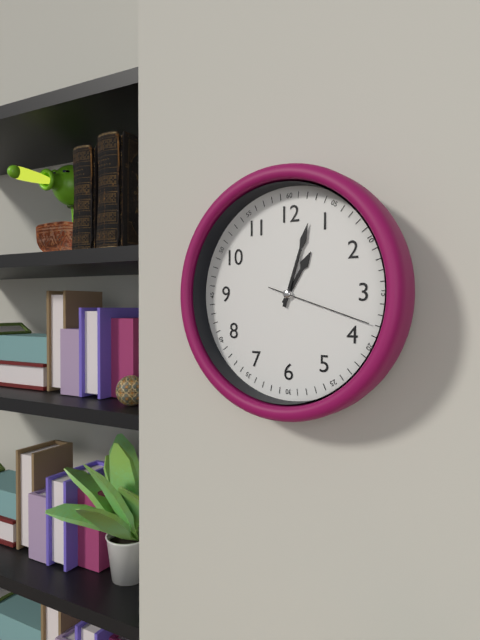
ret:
1.03.18
